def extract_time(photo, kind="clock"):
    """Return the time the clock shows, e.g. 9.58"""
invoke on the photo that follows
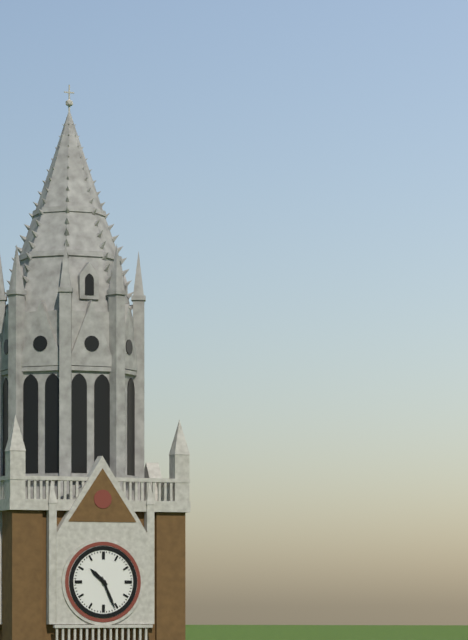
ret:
10.26
